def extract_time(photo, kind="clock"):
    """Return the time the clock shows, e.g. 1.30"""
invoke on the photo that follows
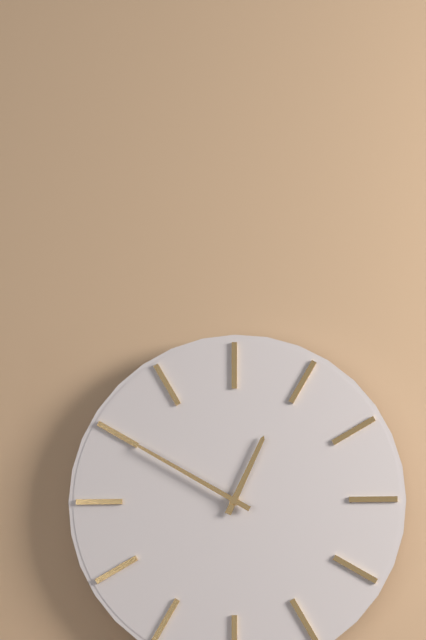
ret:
12.50
